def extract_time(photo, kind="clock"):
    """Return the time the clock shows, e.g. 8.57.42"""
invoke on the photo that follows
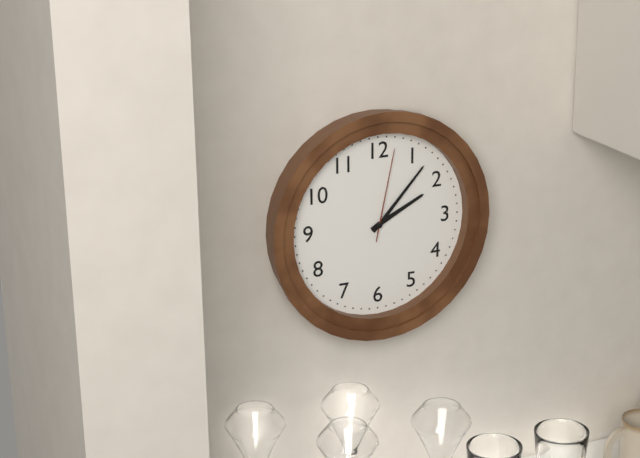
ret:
2.07.02
